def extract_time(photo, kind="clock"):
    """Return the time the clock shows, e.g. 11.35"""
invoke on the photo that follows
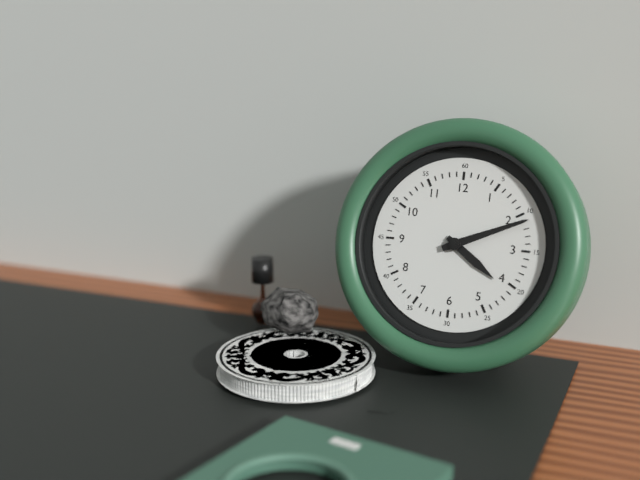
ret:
4.11
